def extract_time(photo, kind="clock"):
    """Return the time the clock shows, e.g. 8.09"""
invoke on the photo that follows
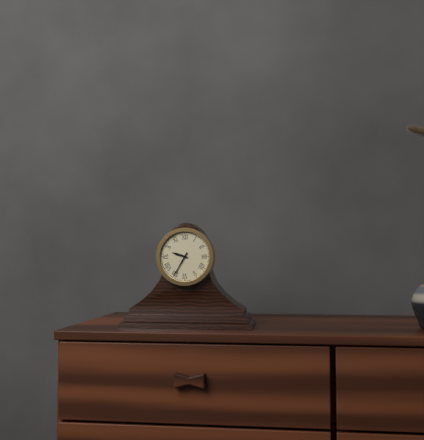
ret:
9.35
